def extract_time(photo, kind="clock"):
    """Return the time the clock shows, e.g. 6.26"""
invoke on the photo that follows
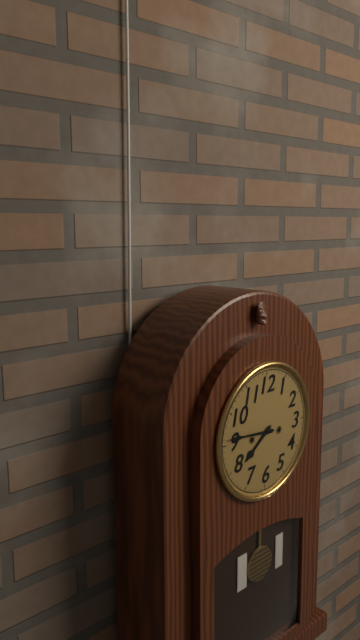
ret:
7.46
